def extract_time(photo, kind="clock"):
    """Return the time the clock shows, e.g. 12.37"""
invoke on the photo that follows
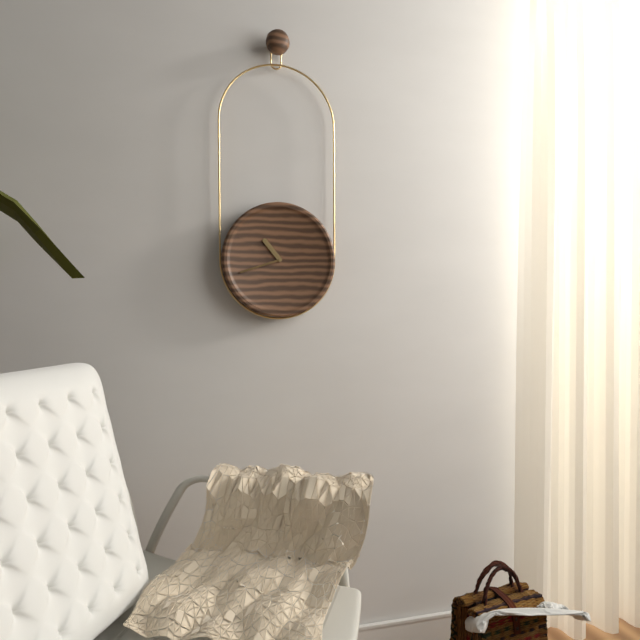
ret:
10.42
